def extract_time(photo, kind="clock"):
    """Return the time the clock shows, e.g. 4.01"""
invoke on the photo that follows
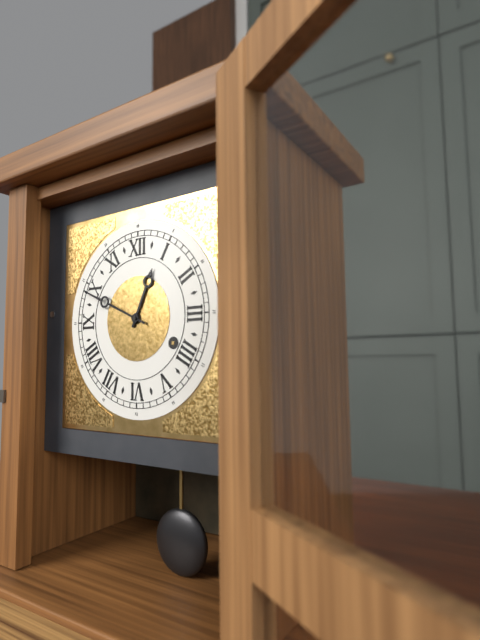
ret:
12.49
